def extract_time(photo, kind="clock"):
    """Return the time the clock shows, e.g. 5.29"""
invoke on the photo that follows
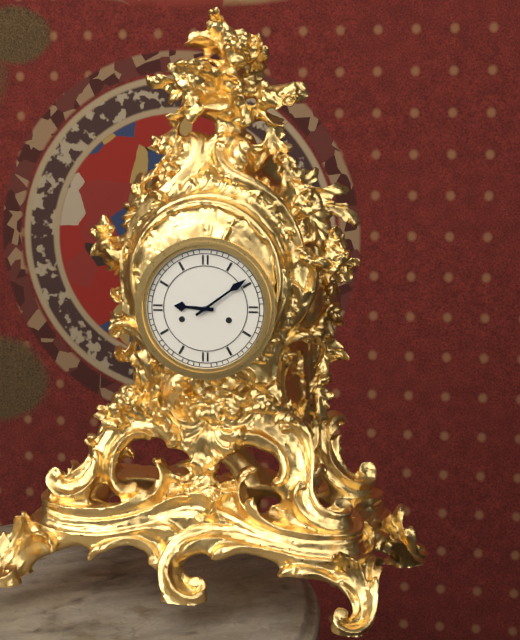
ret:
9.09
